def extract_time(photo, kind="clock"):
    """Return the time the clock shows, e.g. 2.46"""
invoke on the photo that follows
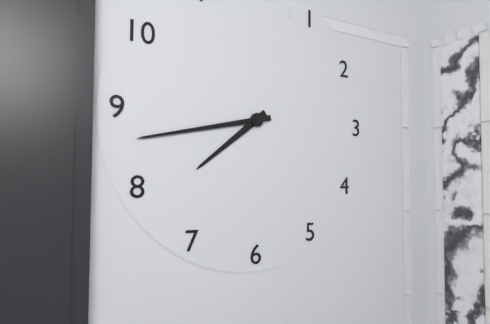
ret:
7.43
